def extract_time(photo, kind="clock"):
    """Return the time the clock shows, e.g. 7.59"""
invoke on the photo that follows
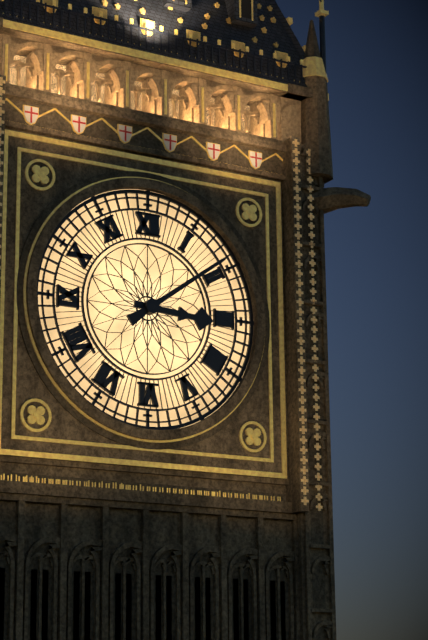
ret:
3.09
